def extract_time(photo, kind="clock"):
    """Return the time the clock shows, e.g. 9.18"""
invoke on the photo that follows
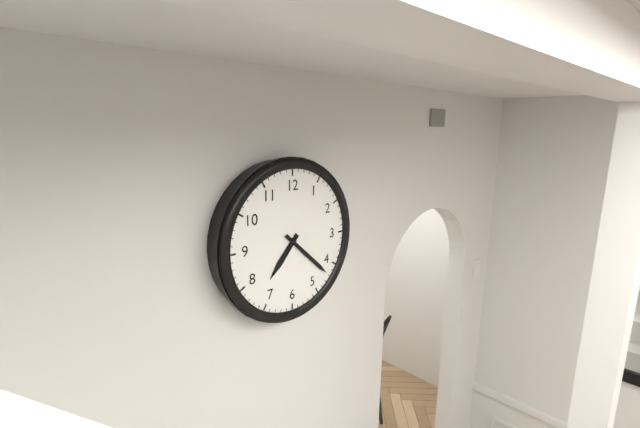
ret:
7.22
